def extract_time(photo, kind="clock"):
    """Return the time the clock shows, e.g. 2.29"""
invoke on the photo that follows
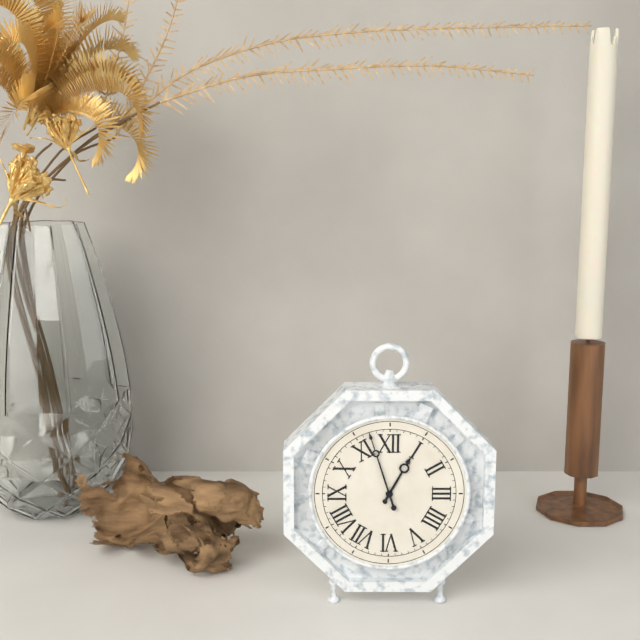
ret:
12.57
